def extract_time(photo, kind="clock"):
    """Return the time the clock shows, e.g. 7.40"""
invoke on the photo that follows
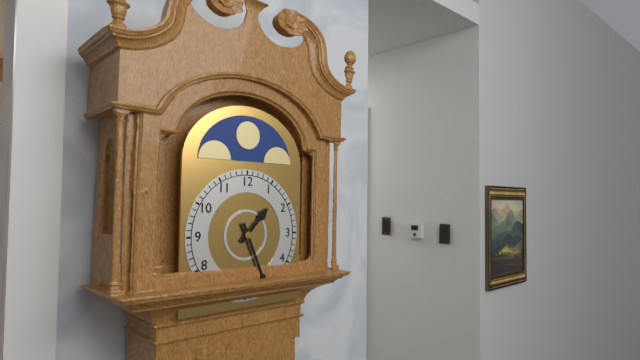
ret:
1.26
